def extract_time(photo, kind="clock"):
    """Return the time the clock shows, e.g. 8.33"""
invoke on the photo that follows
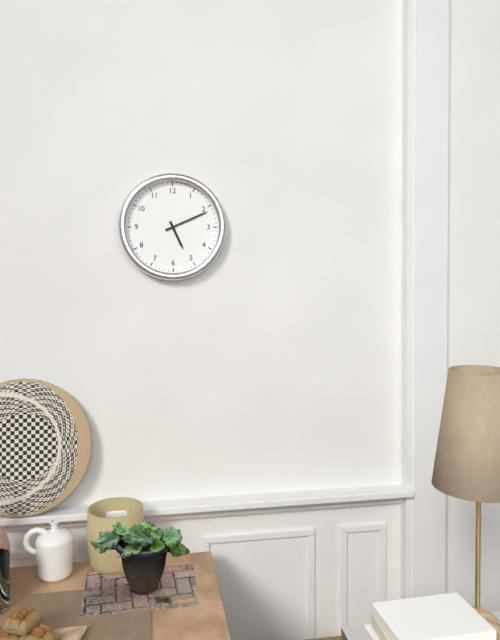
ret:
5.11
